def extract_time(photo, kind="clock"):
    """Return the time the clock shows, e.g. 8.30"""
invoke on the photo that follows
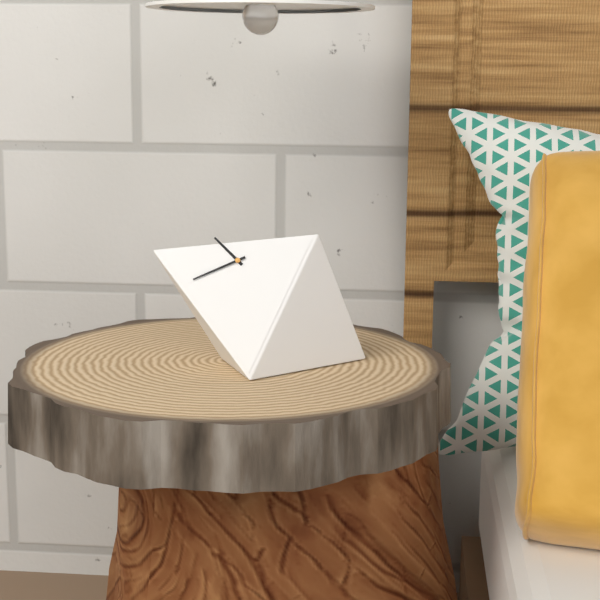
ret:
10.42
